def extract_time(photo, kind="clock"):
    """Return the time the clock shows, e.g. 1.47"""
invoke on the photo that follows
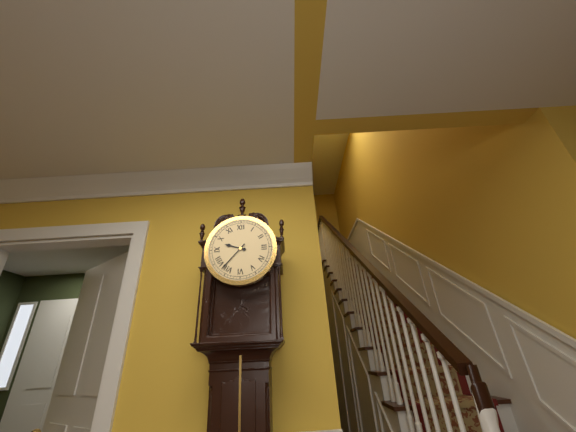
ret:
9.37
